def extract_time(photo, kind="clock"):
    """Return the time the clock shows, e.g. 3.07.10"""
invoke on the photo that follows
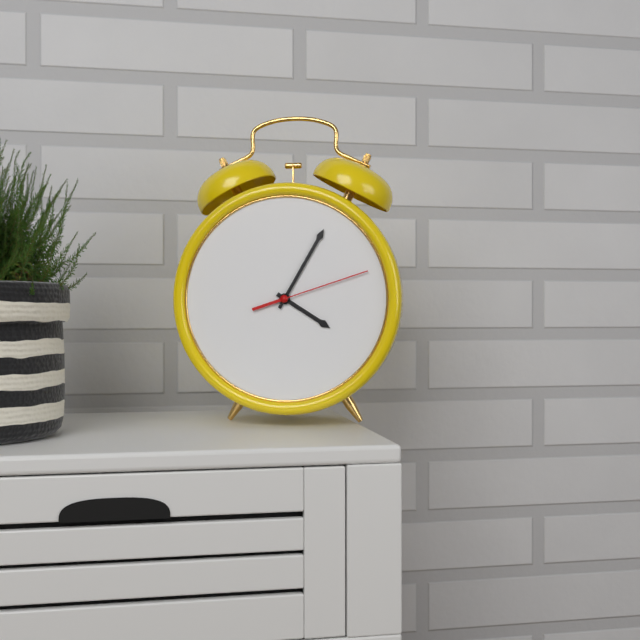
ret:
4.05.12
